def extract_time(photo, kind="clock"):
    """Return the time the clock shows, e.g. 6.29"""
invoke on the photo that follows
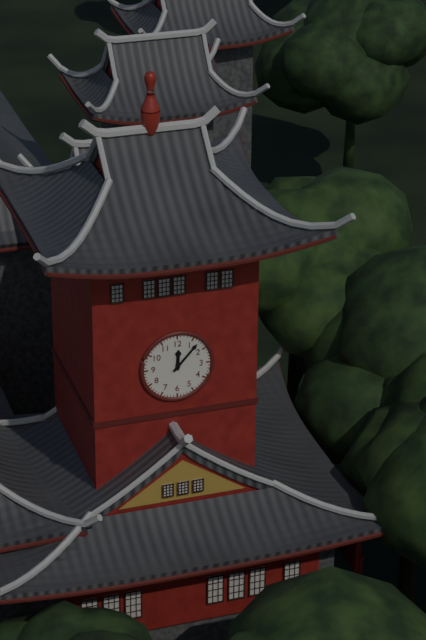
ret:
12.07
